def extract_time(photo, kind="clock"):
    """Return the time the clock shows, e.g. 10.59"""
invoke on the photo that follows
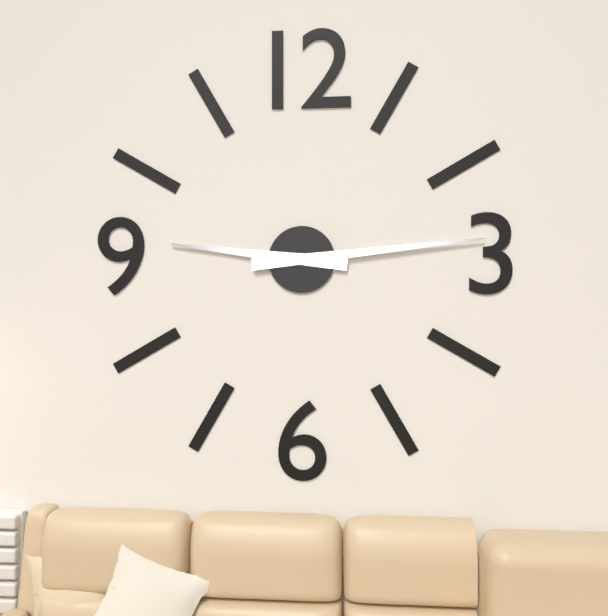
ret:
9.14
